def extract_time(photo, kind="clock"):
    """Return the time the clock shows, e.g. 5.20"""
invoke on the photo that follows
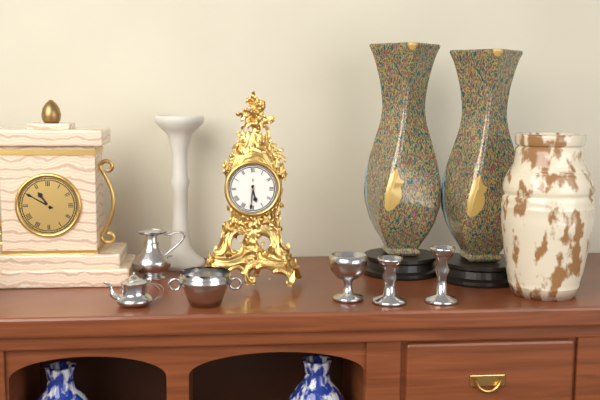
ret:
5.31
